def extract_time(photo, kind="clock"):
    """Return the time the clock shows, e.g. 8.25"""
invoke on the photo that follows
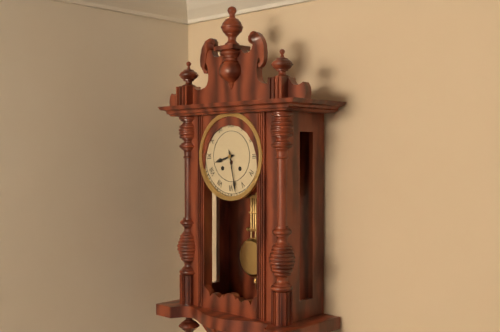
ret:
8.28
